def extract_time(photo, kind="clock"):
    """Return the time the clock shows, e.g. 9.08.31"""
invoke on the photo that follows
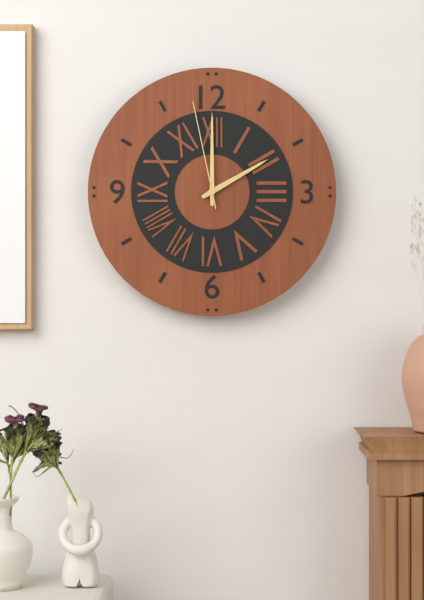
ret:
2.00.58
